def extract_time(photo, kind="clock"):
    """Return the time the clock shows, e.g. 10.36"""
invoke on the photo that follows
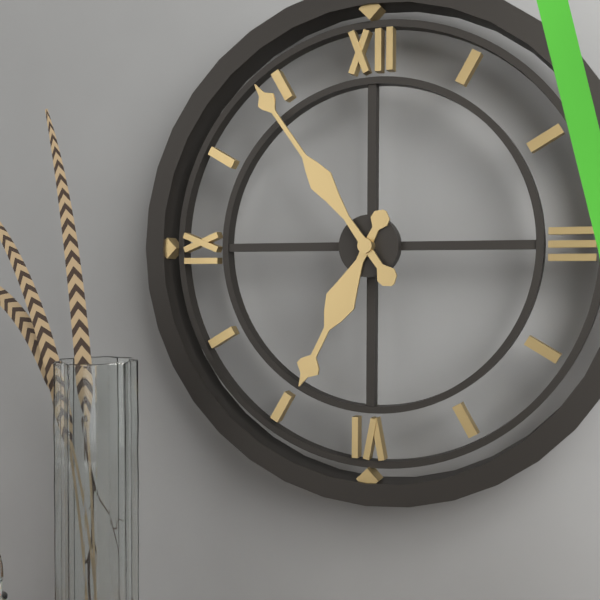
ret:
6.54
